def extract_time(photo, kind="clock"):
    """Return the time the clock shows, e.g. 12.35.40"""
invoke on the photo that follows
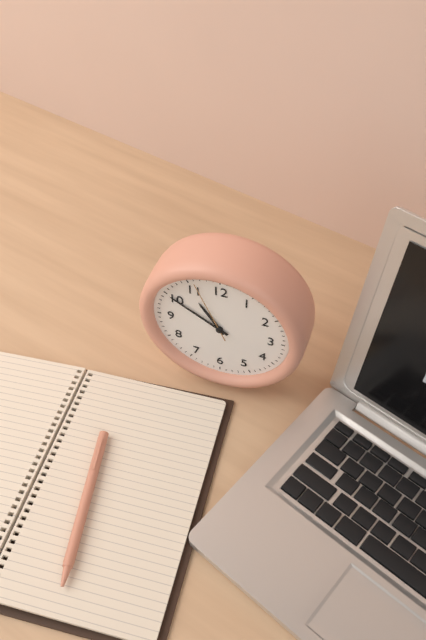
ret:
10.50.56
